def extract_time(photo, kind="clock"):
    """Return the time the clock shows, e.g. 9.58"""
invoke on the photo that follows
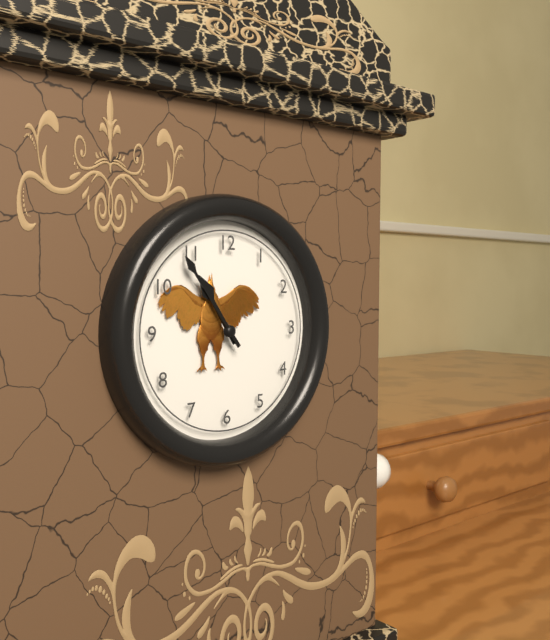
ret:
10.54
